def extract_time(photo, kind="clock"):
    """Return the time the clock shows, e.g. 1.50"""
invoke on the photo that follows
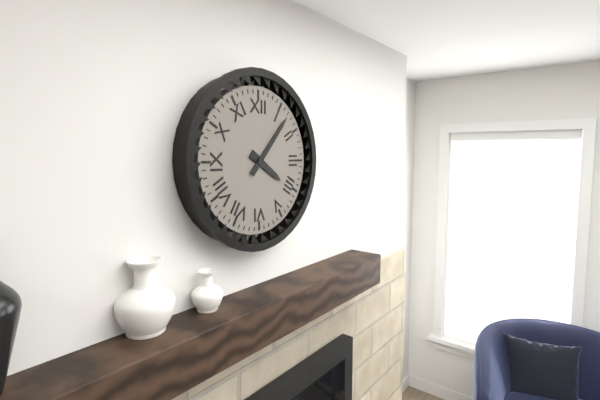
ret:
4.07
